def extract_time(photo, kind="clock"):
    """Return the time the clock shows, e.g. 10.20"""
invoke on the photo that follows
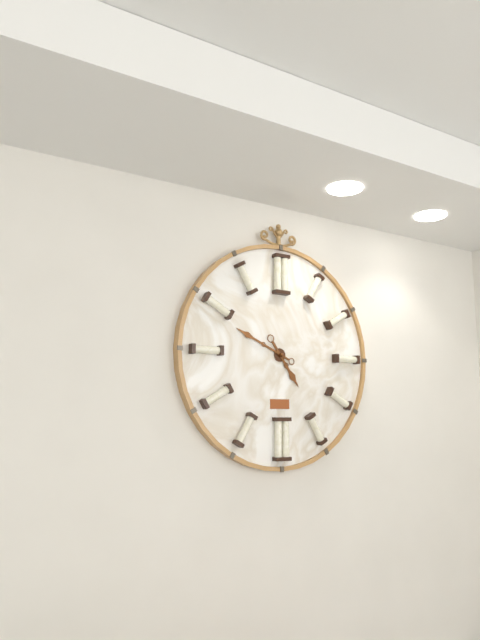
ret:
4.49
